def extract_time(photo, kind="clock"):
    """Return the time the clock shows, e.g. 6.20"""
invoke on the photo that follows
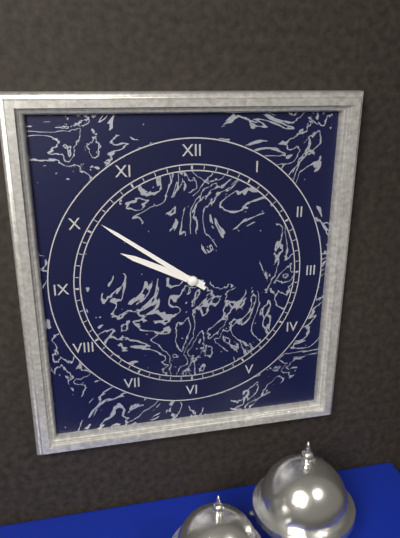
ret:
9.51
